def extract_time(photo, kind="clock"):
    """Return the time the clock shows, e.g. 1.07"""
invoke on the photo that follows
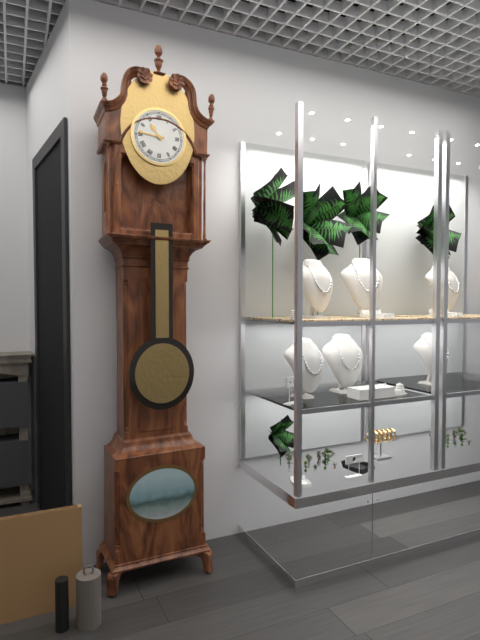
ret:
10.46
